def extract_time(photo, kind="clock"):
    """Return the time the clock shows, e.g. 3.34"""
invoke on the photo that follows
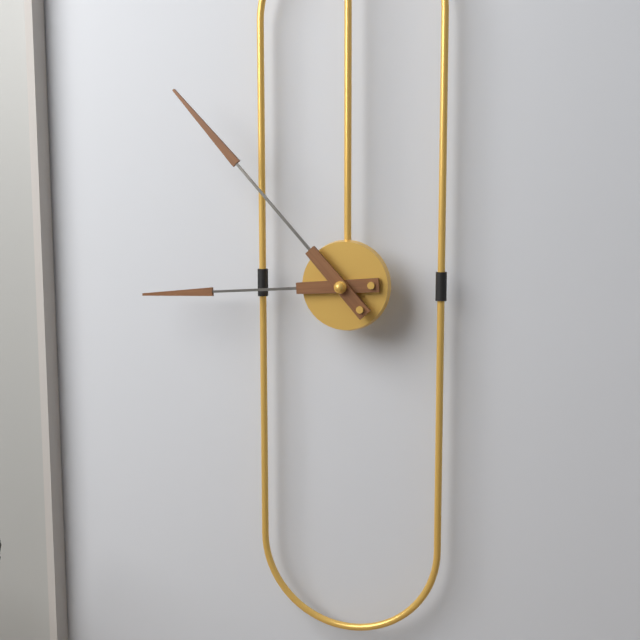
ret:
8.53
